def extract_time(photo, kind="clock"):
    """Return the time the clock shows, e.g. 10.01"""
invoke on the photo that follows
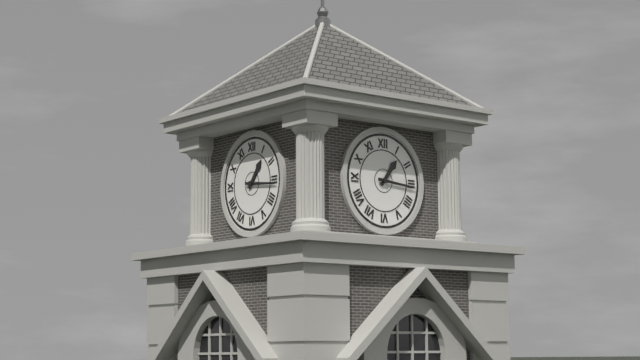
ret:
1.16
